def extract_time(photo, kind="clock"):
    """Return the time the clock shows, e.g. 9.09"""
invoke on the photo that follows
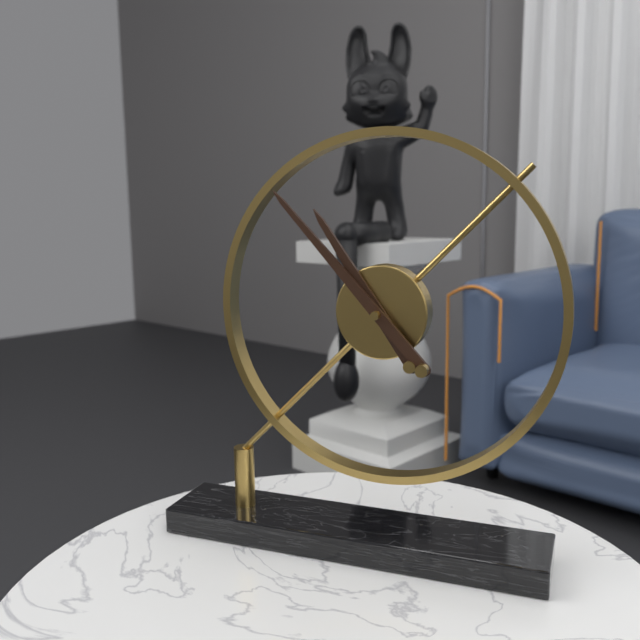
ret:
10.53
